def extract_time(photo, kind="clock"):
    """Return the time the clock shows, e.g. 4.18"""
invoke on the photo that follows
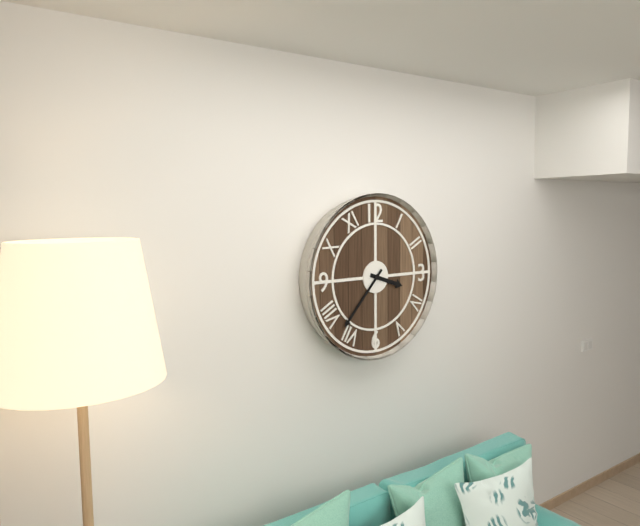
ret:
3.37
